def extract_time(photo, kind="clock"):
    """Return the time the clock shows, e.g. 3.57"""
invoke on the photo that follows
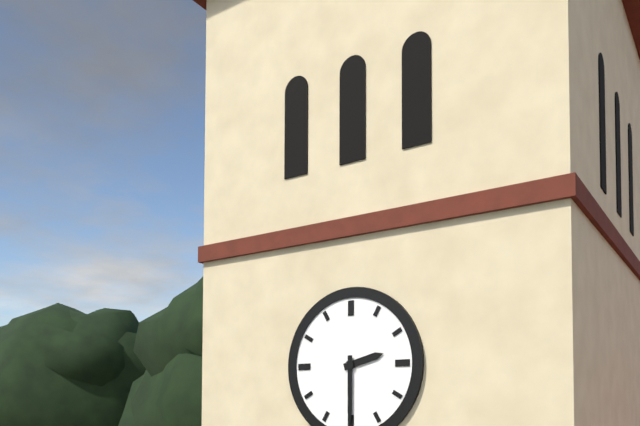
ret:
2.30
